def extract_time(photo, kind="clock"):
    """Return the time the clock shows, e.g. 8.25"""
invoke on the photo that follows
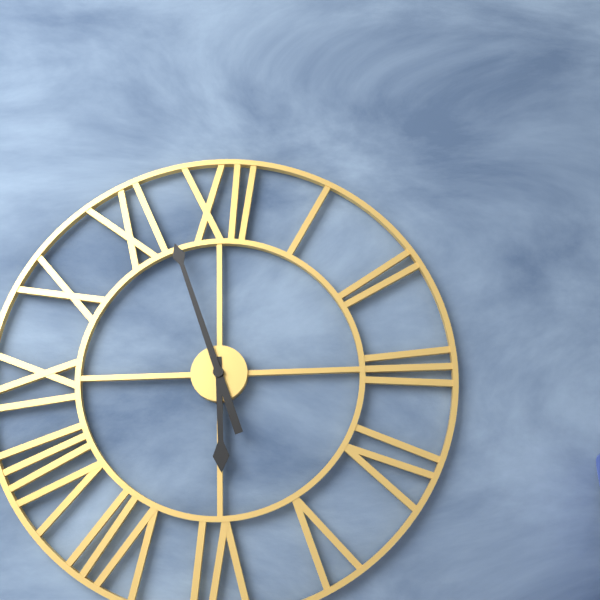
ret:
5.57
